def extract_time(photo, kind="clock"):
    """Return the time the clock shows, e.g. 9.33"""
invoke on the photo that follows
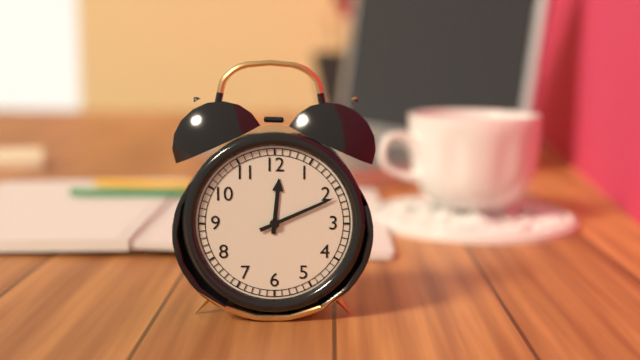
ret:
12.11
